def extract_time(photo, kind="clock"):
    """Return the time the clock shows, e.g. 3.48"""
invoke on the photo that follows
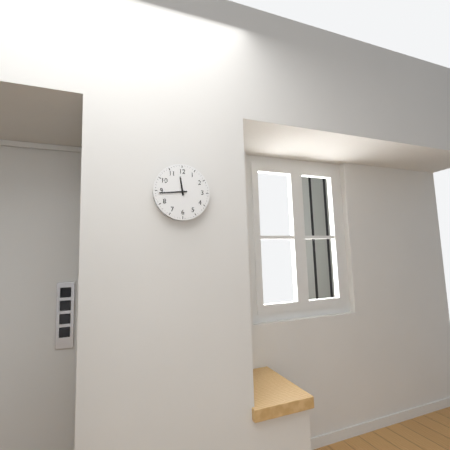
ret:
11.44
